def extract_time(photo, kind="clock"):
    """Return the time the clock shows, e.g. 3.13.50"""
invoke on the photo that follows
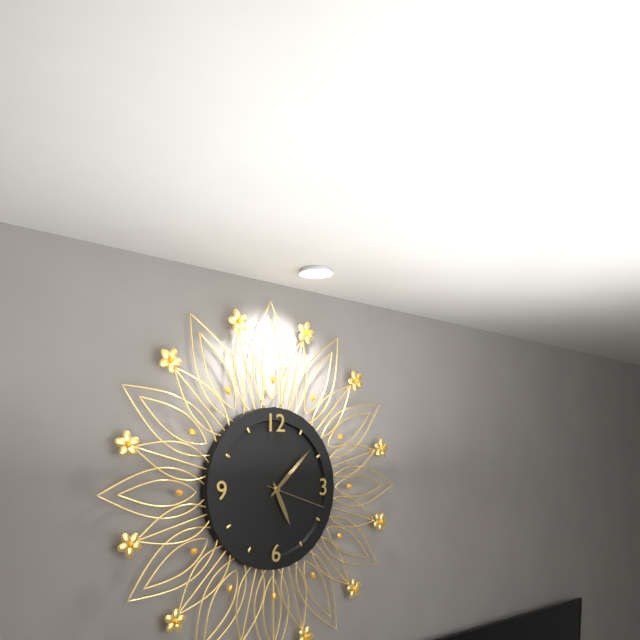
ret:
5.08.18
